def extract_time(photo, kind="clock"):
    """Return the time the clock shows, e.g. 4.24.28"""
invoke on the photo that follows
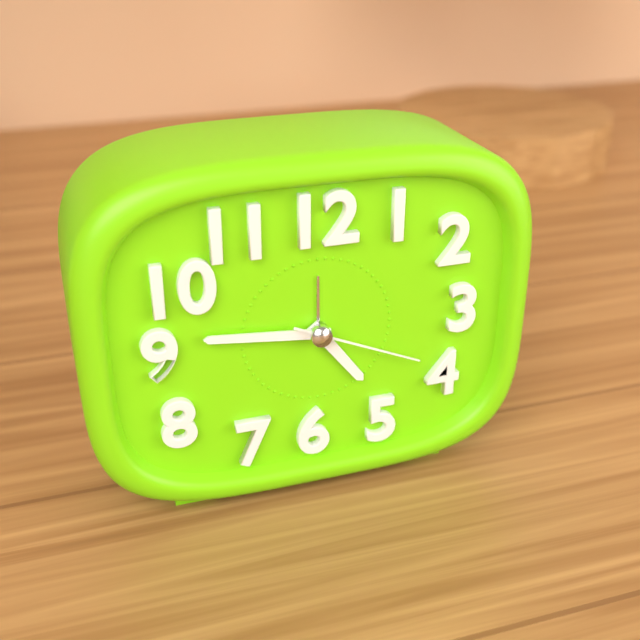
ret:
4.46.19
